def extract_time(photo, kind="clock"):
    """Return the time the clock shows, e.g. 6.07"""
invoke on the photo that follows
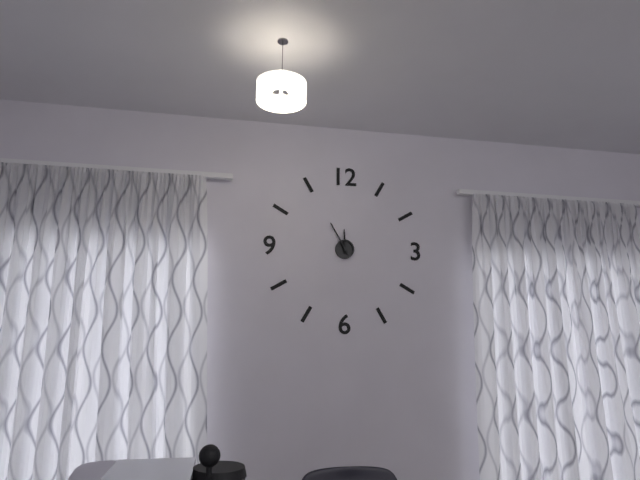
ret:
11.55
